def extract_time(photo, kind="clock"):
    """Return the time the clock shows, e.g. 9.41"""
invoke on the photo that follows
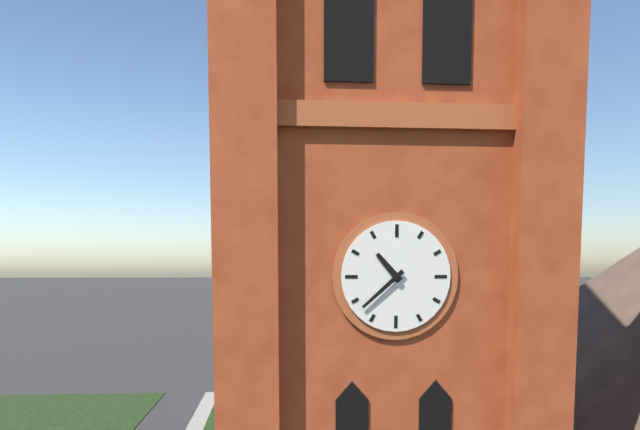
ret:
10.38
